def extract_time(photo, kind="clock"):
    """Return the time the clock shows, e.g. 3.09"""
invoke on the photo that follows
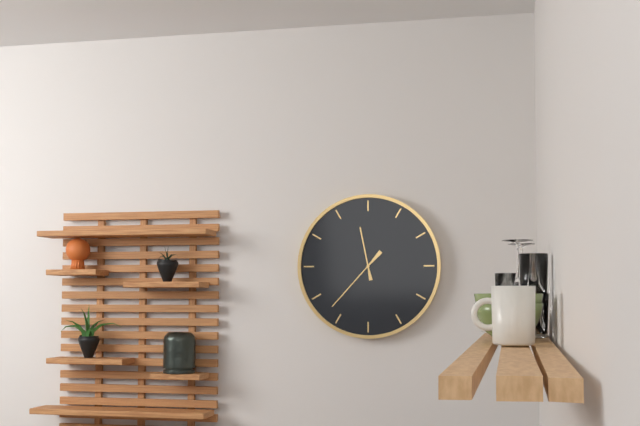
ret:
11.37
